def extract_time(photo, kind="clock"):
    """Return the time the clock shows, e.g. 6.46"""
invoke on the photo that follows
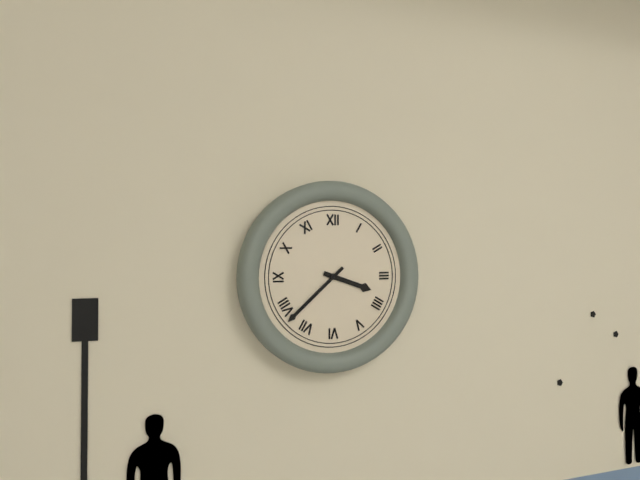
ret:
3.38
